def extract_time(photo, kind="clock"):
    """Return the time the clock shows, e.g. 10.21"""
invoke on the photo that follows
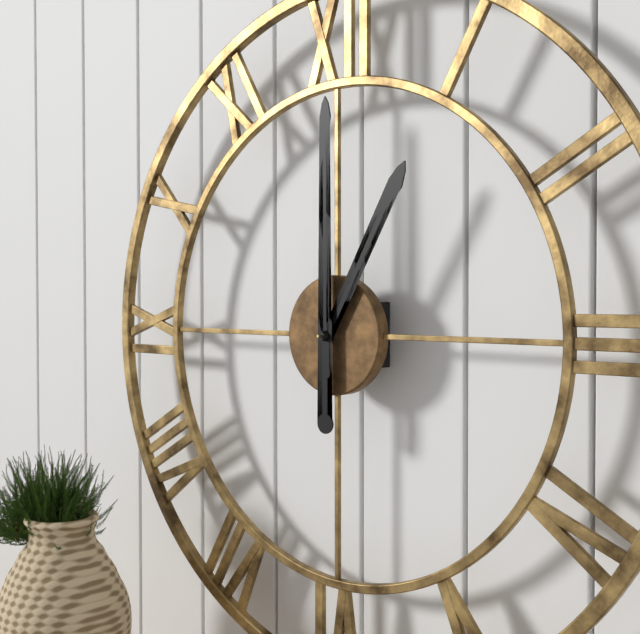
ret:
1.00
